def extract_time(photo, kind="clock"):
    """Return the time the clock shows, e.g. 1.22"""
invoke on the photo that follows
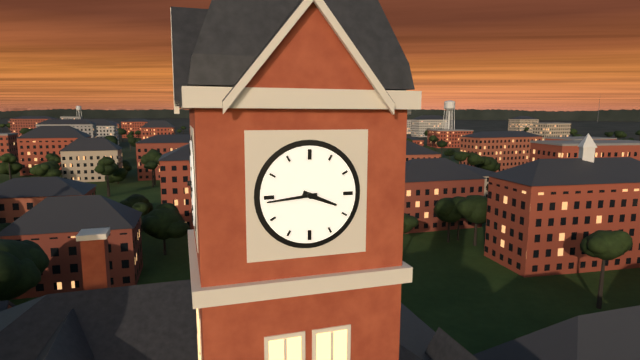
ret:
3.44
